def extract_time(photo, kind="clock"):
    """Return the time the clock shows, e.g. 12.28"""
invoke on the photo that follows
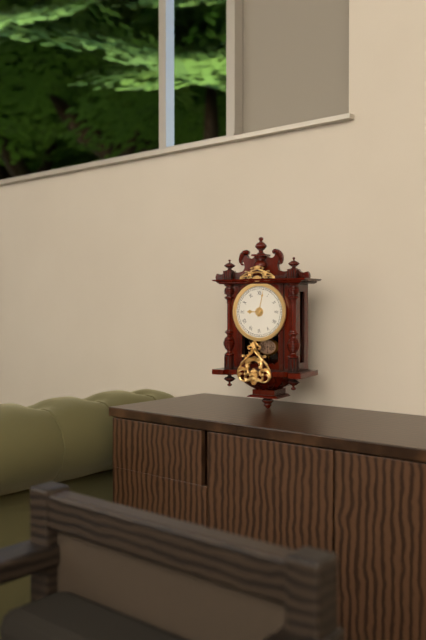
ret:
9.02
